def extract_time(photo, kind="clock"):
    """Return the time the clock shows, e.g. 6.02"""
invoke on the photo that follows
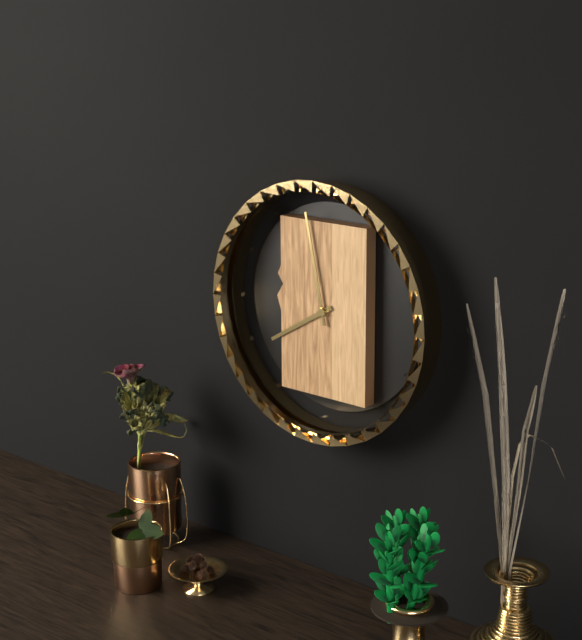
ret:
7.58
